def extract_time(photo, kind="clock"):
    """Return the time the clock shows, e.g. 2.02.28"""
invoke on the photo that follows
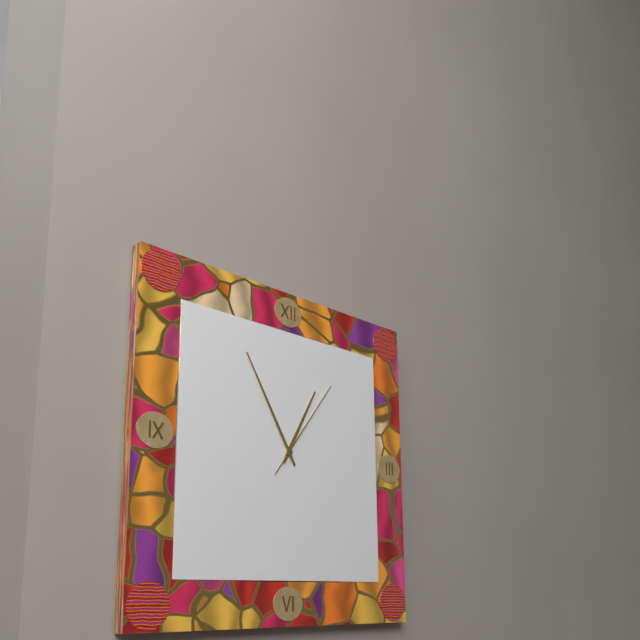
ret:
12.55.06
